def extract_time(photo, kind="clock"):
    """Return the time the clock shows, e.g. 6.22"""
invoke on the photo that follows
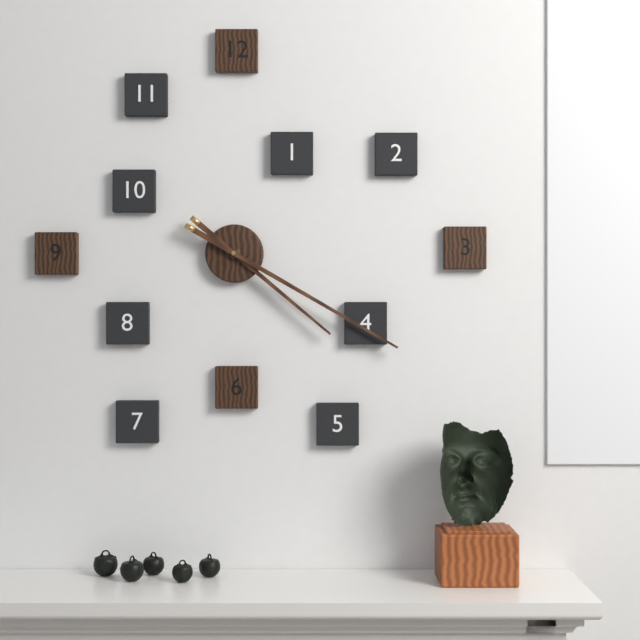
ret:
4.20
